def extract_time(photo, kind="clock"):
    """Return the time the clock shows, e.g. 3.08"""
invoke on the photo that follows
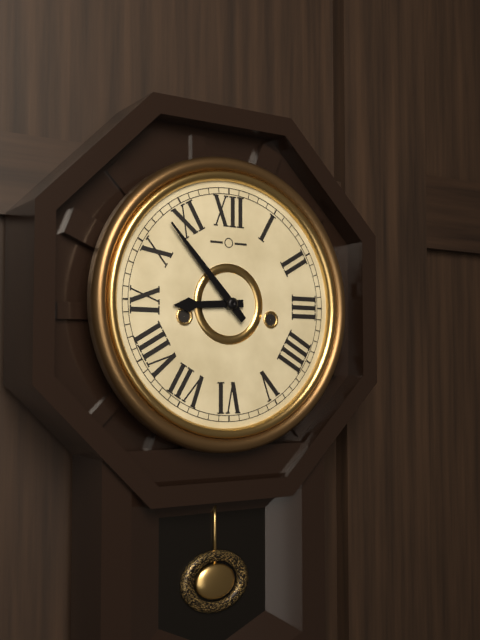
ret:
8.53
